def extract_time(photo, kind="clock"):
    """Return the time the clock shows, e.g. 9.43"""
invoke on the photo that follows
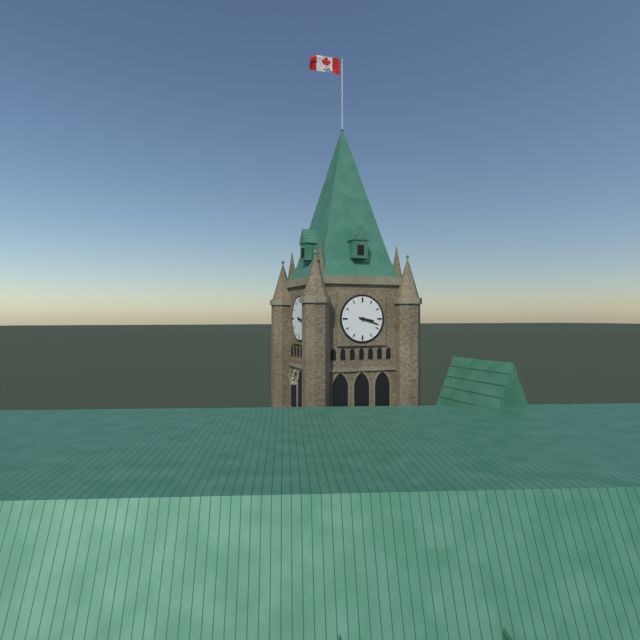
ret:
3.18
